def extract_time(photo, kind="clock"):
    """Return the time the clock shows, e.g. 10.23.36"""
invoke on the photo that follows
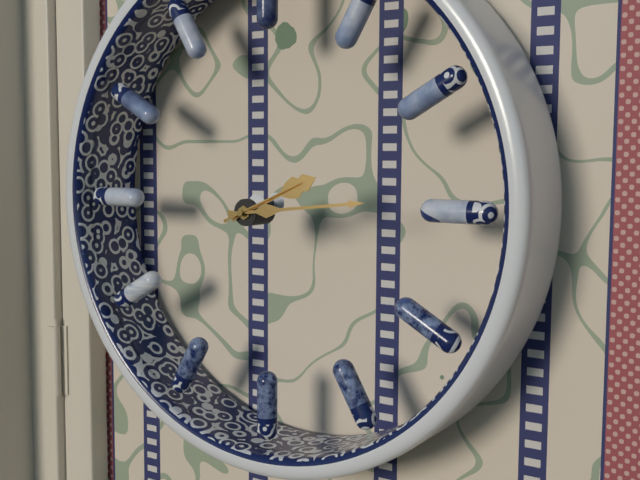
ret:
2.14.11
